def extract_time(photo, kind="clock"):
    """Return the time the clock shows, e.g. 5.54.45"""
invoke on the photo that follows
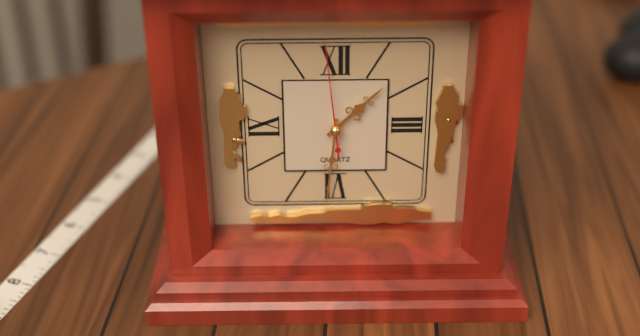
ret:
1.31.59
